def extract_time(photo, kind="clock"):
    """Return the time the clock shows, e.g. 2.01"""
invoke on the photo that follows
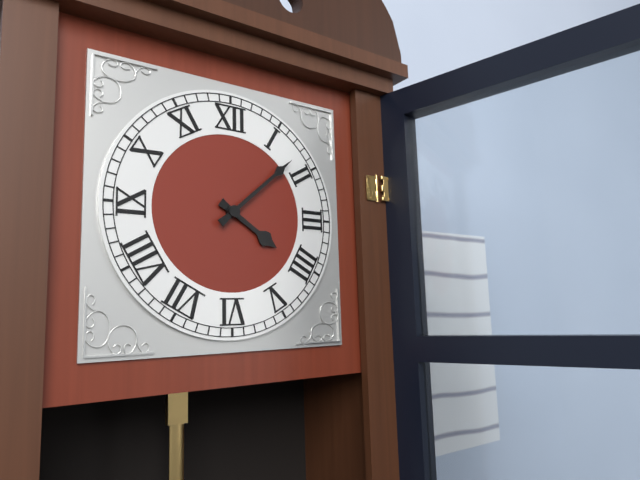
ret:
4.08
